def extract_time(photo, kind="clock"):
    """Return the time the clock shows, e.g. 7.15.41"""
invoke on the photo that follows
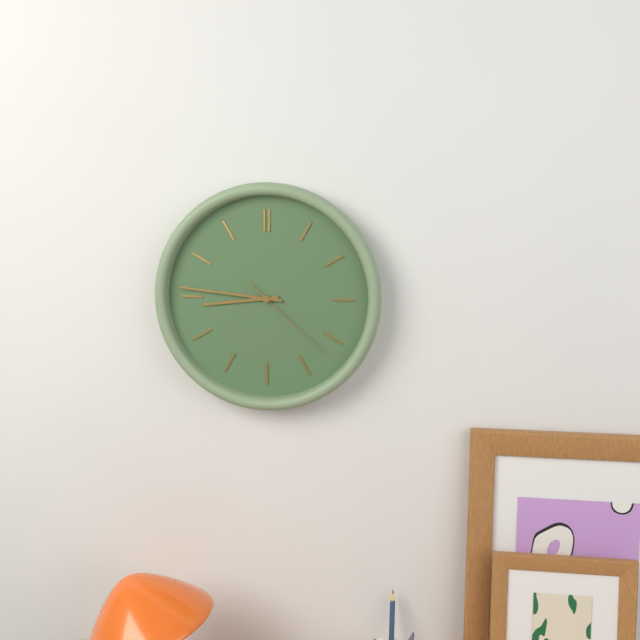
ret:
8.46.22
